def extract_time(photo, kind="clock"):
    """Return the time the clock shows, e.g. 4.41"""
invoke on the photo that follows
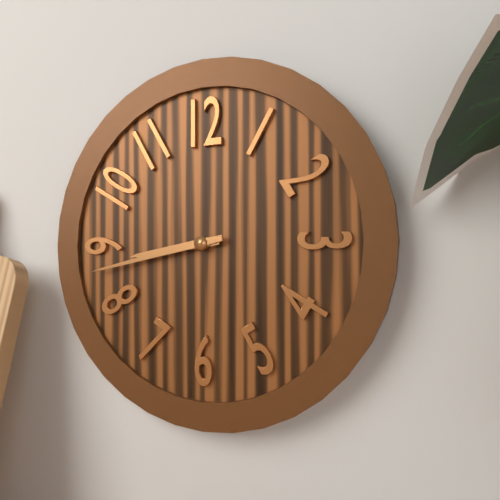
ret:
8.43
